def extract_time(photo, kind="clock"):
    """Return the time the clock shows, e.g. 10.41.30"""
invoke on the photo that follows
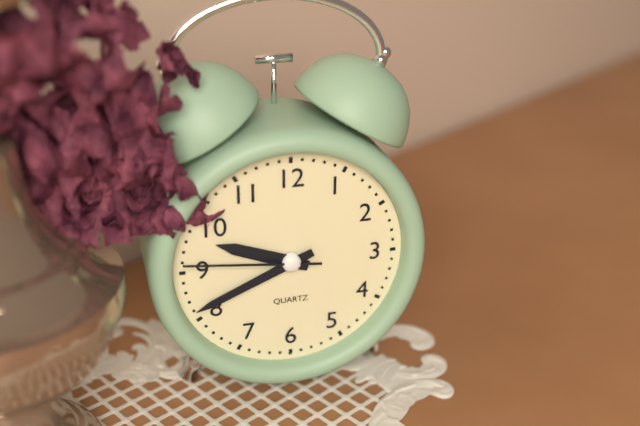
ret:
9.41.46
